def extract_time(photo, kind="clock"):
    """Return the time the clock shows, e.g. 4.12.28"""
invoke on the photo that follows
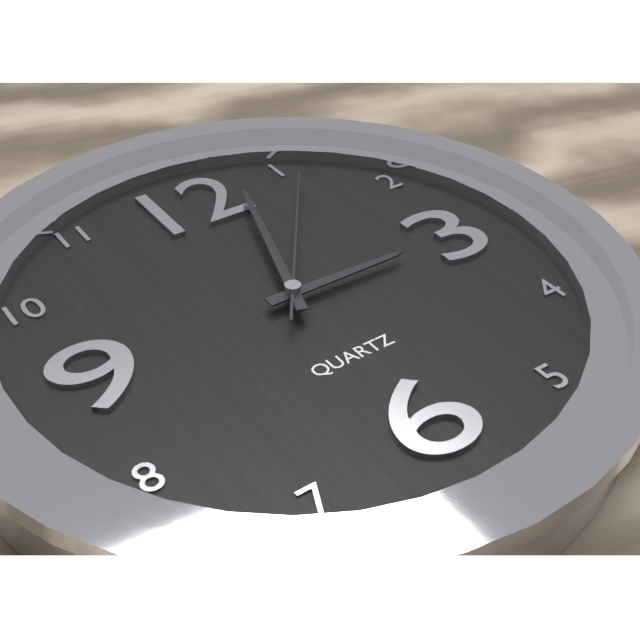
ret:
3.03.06
